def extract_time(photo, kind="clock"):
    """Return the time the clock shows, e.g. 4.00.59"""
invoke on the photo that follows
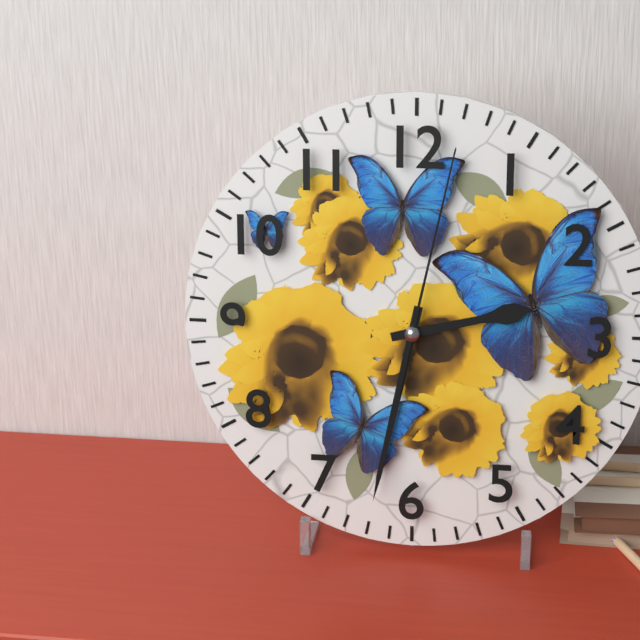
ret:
2.32.02
